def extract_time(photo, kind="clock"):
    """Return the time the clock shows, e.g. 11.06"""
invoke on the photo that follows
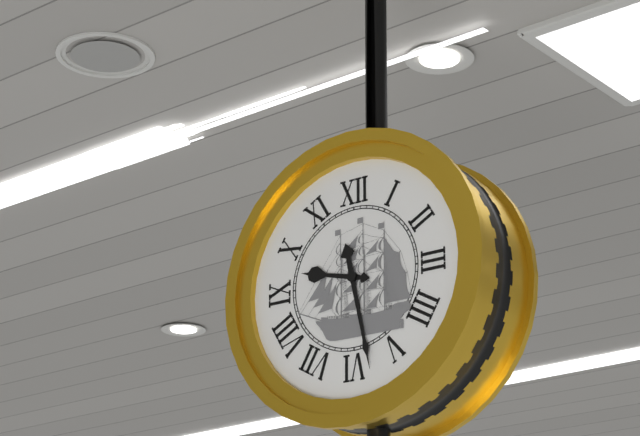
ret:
9.28
